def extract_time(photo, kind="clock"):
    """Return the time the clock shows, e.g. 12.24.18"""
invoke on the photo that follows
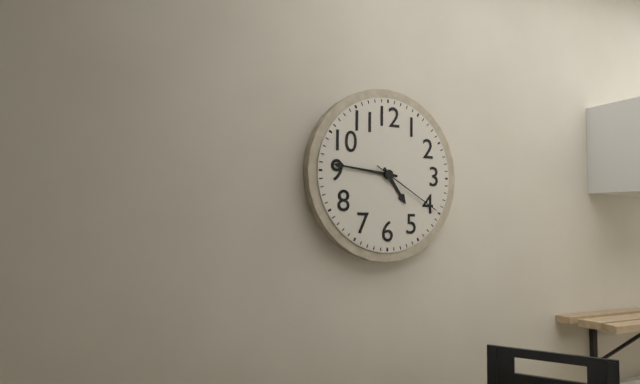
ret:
4.46.20
